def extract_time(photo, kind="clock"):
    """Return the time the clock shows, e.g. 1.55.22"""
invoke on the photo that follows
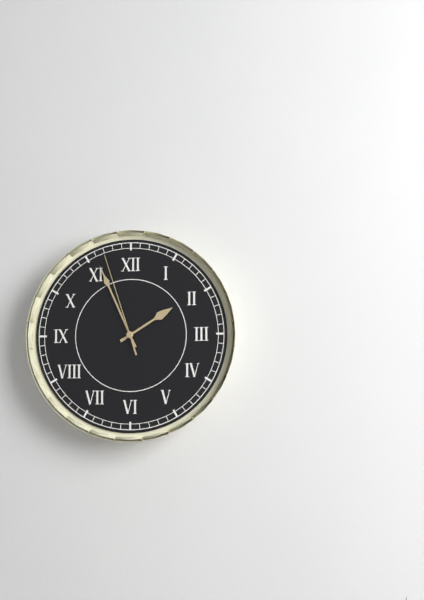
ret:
1.56.57
